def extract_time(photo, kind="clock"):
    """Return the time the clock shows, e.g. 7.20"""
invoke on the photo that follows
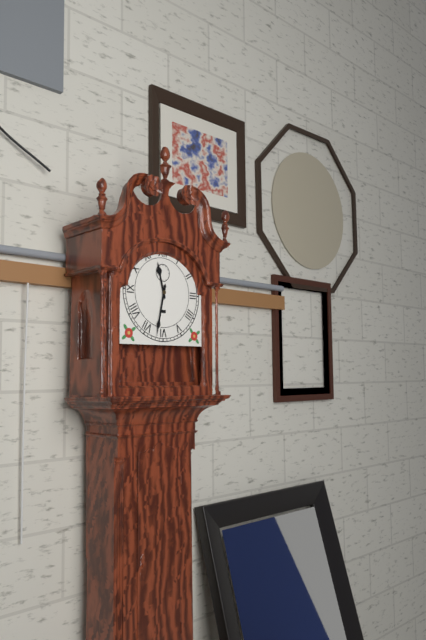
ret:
11.32
